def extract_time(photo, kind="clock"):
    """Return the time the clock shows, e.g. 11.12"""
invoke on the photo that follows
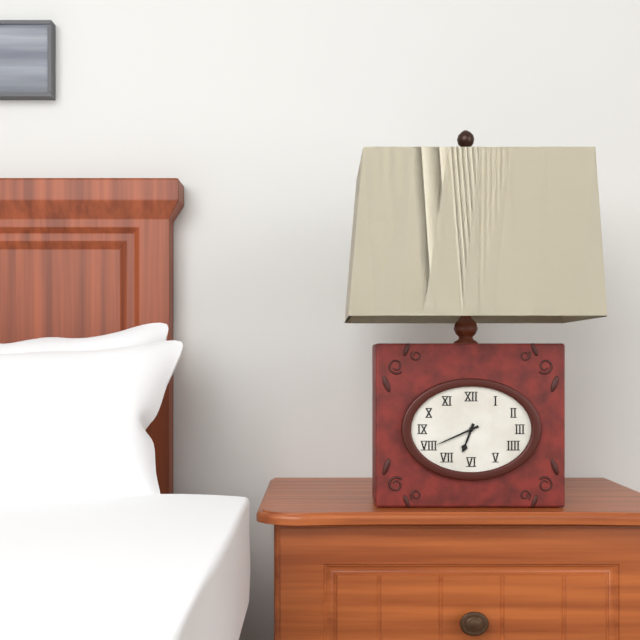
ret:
6.41
